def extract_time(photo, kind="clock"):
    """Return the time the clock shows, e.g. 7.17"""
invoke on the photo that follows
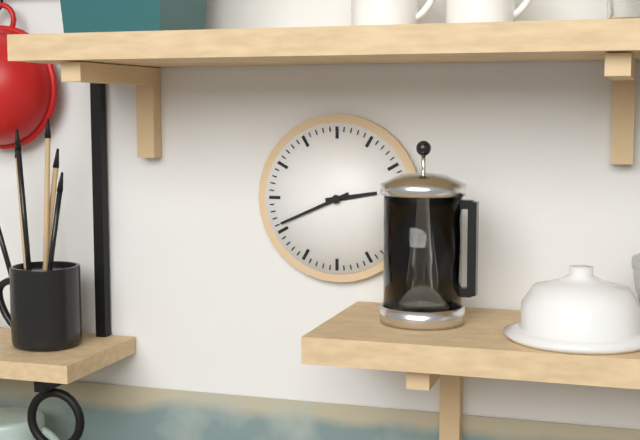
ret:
2.41
